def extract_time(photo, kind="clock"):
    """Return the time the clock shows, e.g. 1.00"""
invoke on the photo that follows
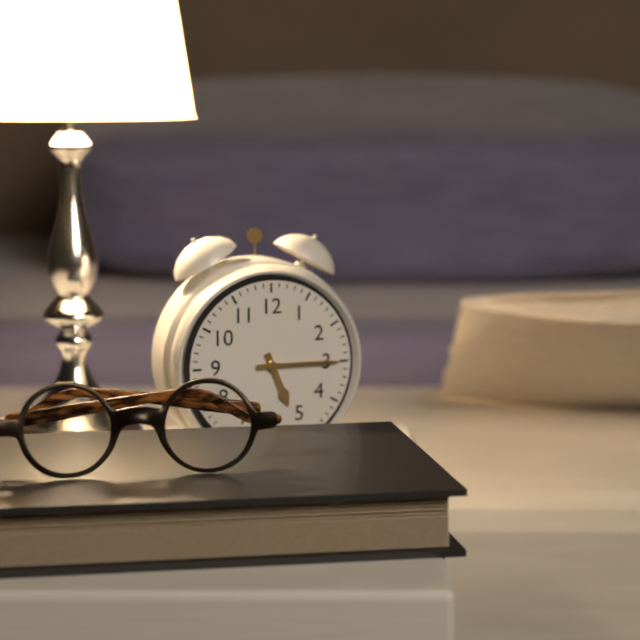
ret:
5.15
